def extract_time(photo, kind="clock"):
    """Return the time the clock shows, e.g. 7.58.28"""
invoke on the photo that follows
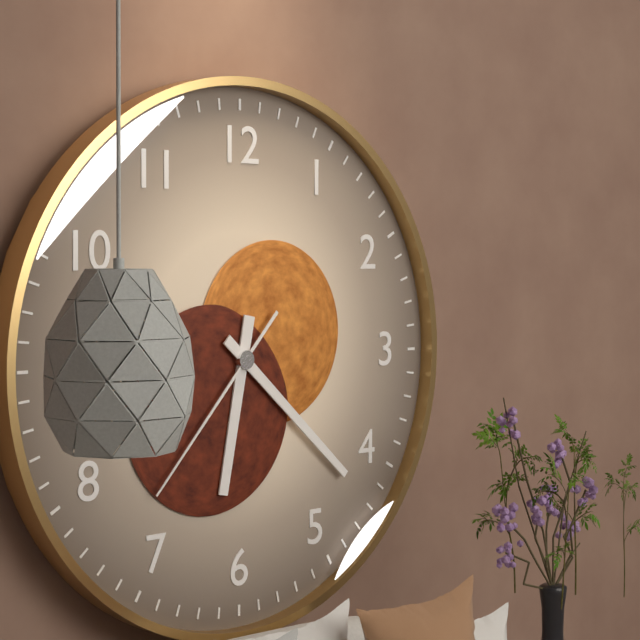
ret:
6.22.37
